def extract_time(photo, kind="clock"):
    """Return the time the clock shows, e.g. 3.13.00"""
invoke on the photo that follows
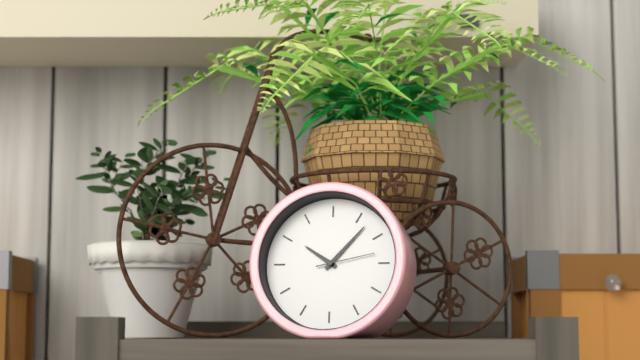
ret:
10.07.13
